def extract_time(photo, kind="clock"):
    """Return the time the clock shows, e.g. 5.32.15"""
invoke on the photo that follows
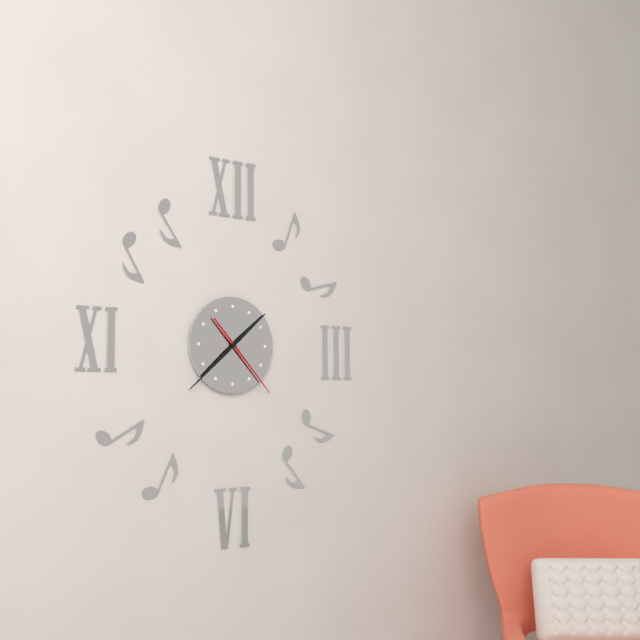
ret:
1.38.23
